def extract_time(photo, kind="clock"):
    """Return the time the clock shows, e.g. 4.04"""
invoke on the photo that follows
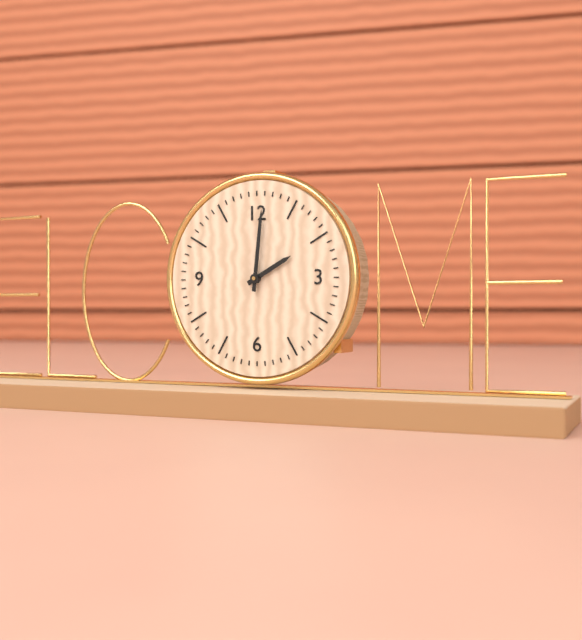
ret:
2.01
